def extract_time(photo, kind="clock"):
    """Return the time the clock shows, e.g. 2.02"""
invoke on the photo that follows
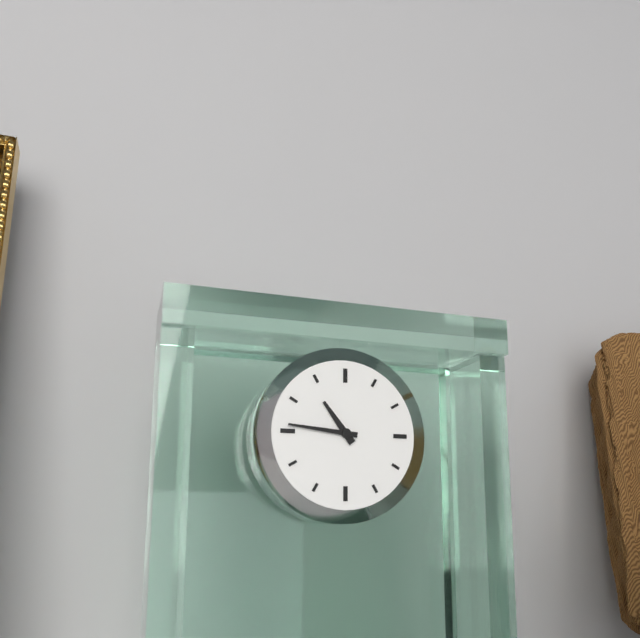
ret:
10.46
